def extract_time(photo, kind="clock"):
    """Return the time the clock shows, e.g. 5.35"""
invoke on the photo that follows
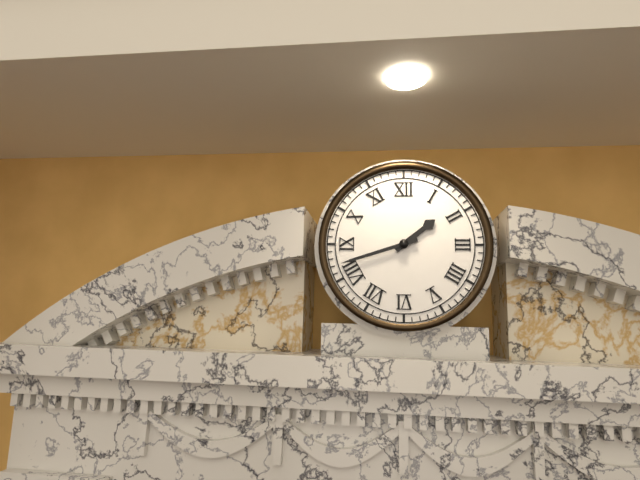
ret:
1.42
